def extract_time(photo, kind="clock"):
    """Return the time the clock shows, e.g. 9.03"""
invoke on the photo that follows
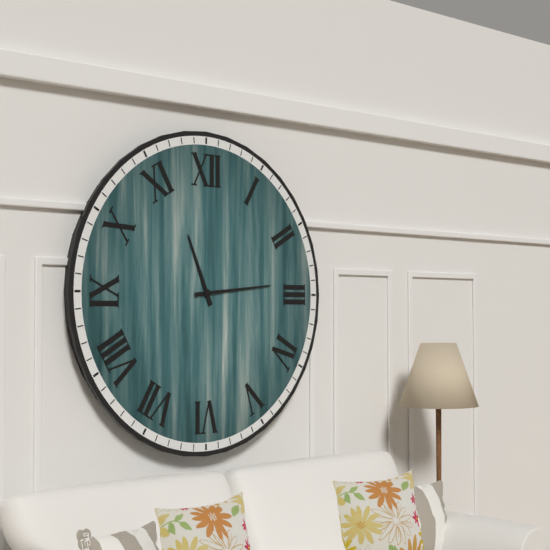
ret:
11.14
